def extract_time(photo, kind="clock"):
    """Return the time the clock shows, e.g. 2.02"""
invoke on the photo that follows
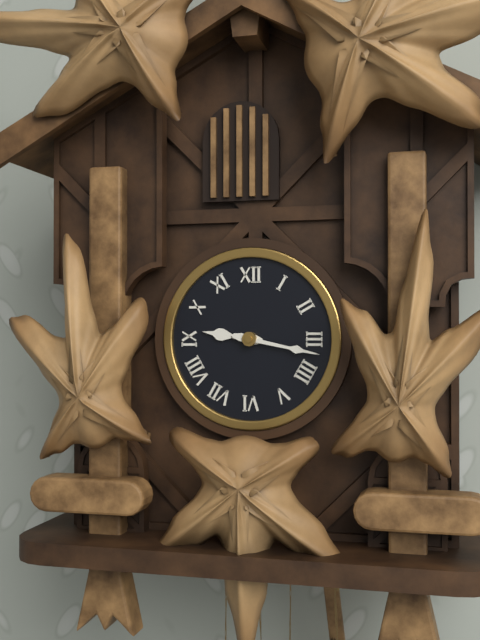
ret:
9.17
